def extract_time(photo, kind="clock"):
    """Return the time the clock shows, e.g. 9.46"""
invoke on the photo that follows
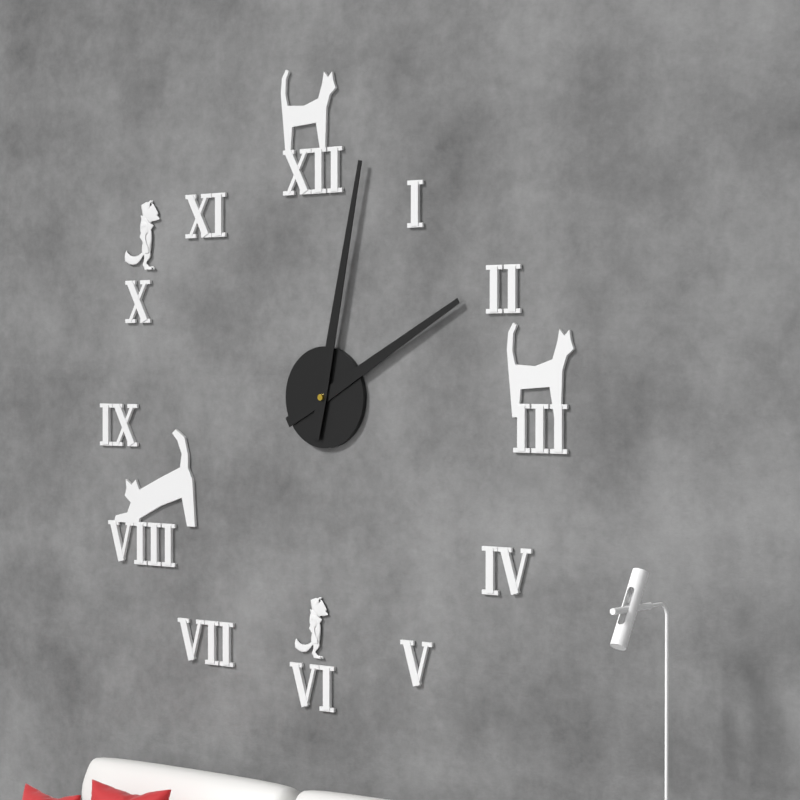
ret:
2.02
